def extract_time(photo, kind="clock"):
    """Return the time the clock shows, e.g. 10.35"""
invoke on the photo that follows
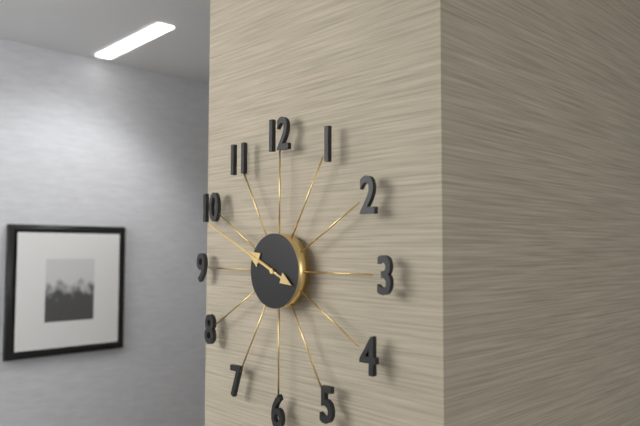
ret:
9.49
